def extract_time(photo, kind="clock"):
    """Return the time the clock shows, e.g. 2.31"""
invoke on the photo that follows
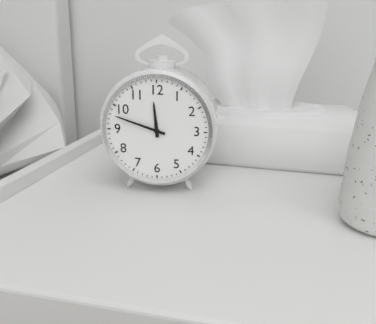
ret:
11.48
